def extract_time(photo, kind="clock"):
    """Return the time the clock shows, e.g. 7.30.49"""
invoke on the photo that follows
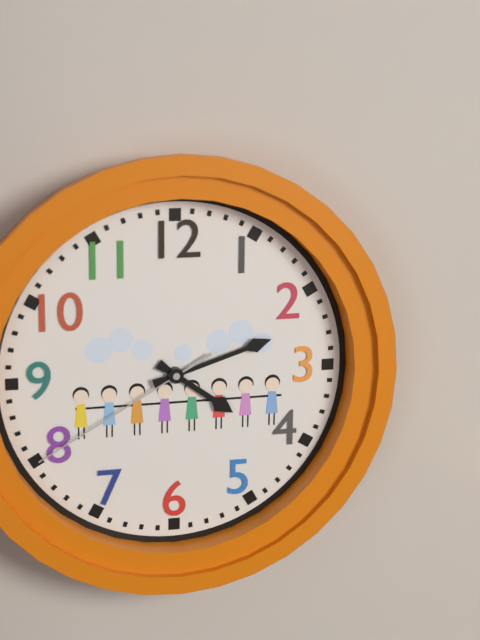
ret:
4.12.40
